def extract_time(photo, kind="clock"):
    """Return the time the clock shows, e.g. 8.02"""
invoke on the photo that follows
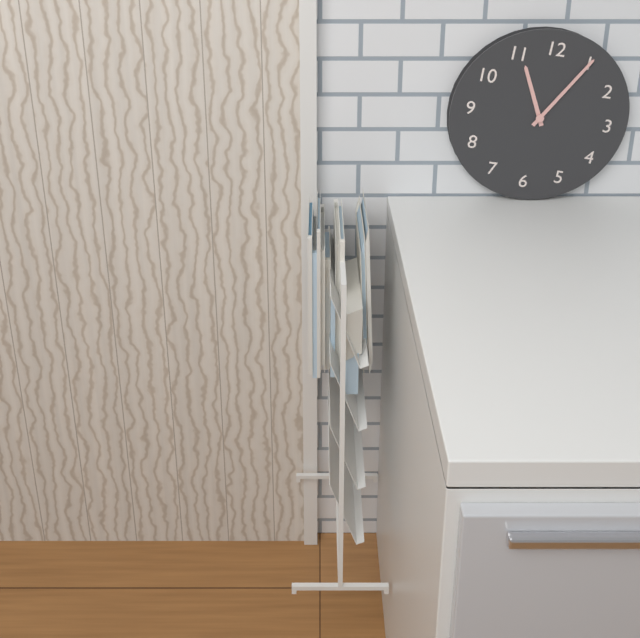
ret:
11.05
